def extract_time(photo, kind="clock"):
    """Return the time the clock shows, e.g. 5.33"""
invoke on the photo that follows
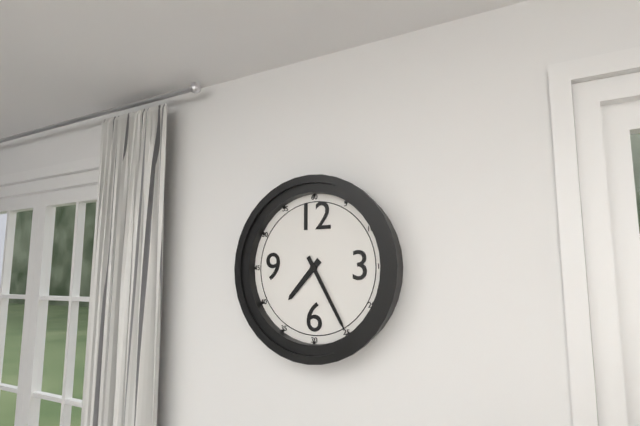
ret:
7.25
